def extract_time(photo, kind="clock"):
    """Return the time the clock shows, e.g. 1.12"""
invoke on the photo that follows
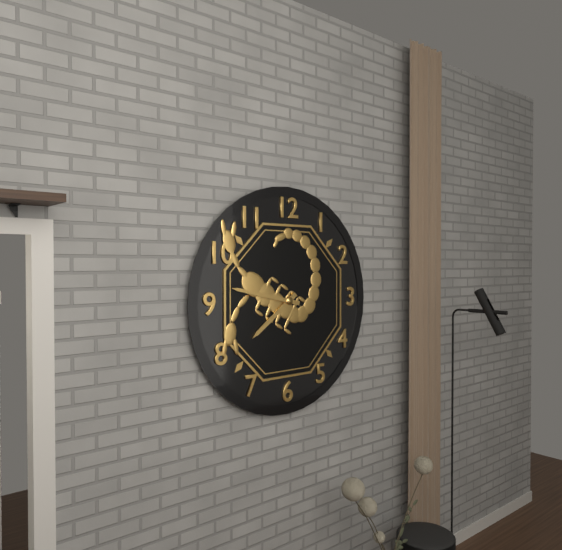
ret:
7.47
